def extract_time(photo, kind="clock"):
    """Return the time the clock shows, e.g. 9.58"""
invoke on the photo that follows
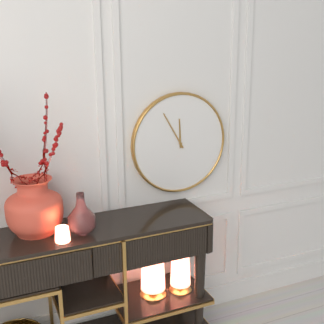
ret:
11.55
